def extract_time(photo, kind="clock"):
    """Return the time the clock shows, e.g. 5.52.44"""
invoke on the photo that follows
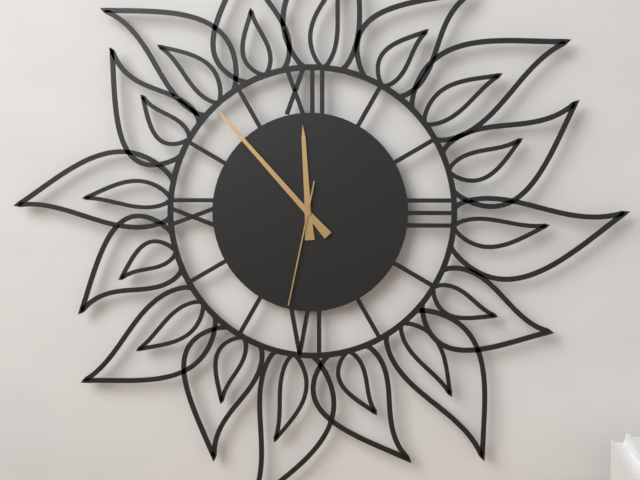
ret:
11.53.32
